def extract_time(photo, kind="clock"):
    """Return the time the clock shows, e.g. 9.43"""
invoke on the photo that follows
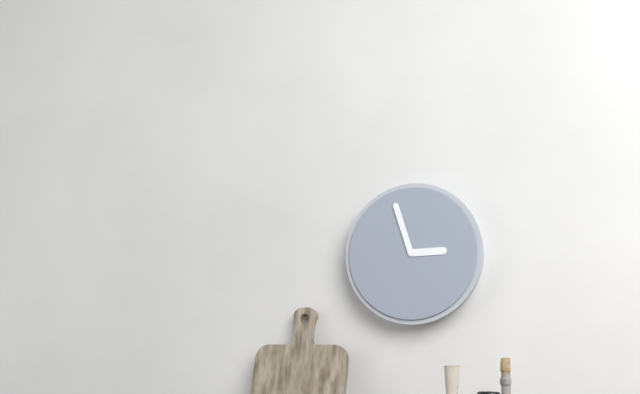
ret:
2.57
